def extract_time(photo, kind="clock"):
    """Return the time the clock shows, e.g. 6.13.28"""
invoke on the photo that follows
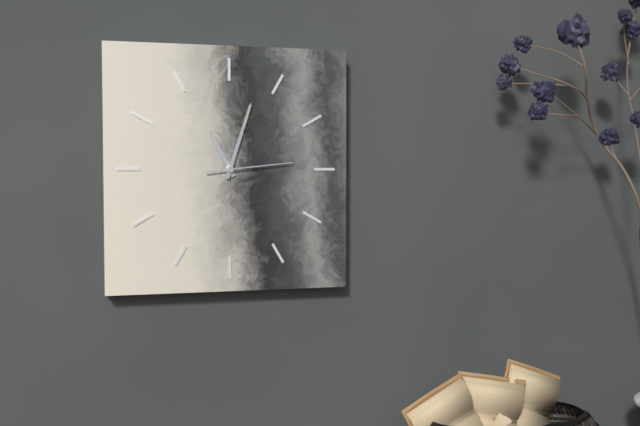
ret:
11.03.14
